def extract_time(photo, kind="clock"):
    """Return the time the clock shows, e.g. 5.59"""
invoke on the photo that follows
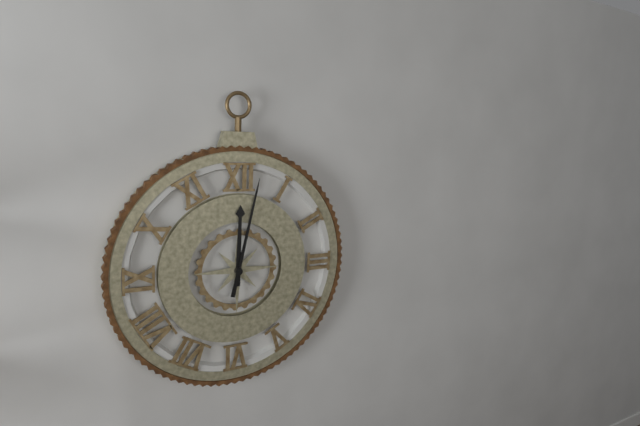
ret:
12.02
